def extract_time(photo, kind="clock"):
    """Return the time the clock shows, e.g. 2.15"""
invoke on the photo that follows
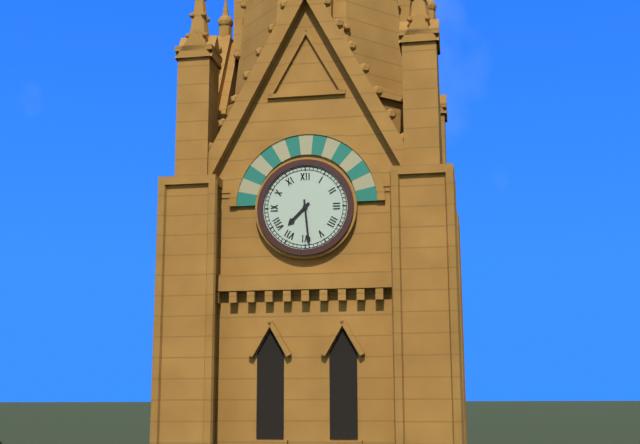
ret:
7.29
